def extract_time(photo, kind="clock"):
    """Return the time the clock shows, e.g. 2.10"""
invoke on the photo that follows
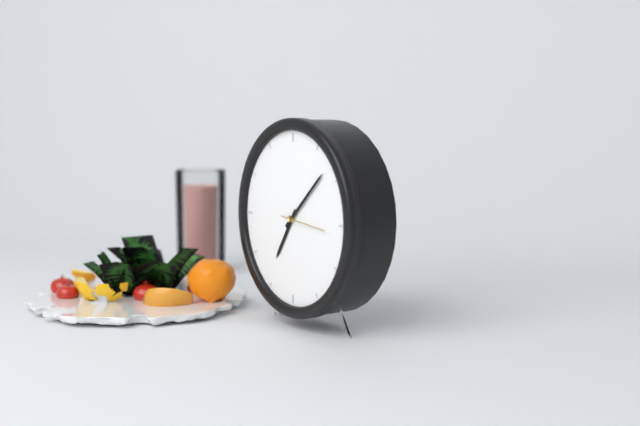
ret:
7.08
